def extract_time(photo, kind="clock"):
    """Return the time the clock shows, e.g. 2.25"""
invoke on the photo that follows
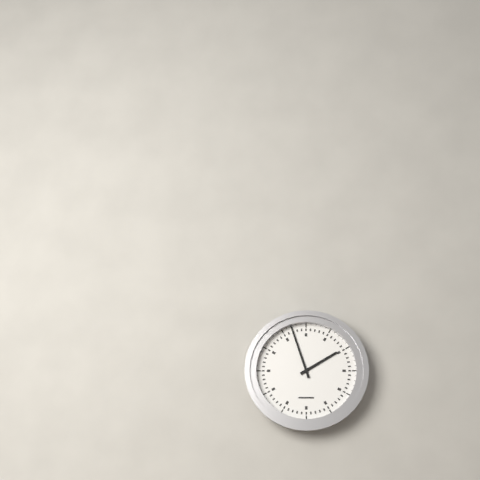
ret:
1.57
